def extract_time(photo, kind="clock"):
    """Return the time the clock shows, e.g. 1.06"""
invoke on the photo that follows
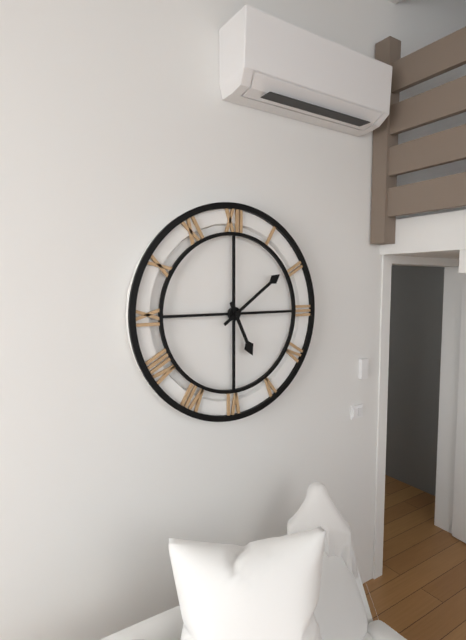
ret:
5.09
